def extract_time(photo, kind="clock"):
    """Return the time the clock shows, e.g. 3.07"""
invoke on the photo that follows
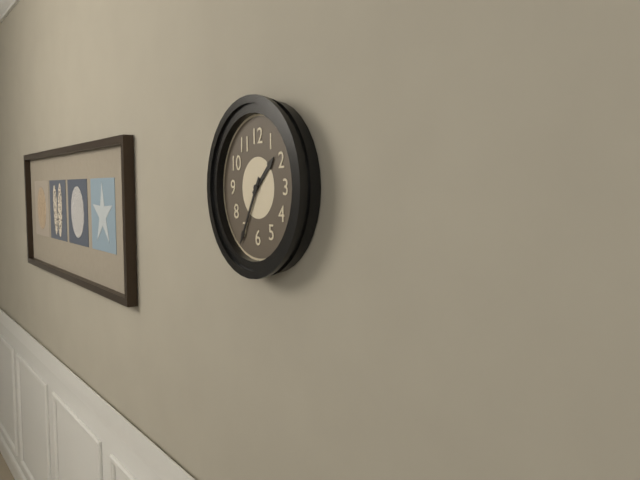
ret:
1.35
